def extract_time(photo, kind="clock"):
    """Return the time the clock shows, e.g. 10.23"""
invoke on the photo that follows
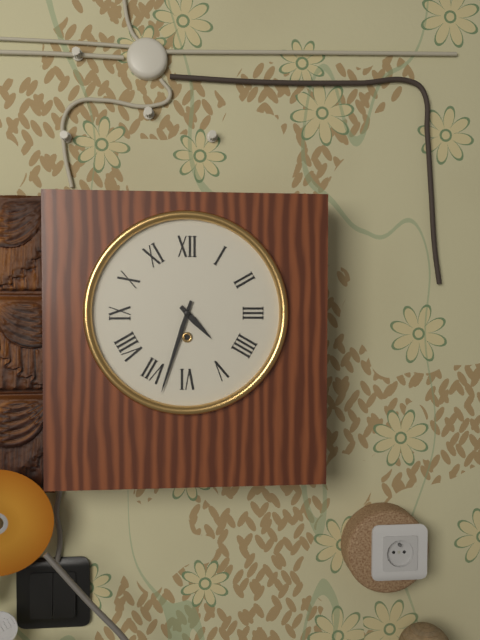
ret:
4.33
